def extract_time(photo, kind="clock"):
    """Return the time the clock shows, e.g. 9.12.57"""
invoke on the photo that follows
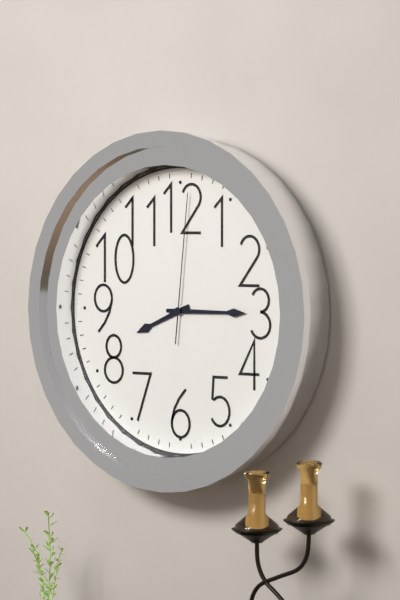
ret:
8.15.01
